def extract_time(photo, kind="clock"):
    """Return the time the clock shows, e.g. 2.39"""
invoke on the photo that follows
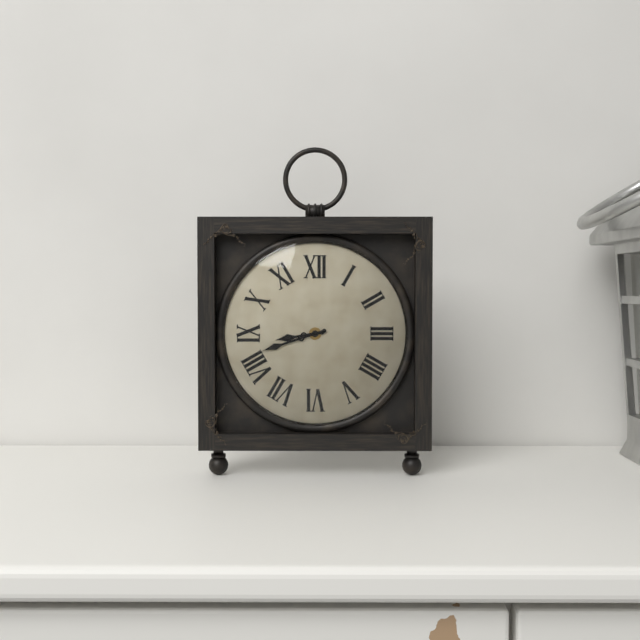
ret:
8.42
